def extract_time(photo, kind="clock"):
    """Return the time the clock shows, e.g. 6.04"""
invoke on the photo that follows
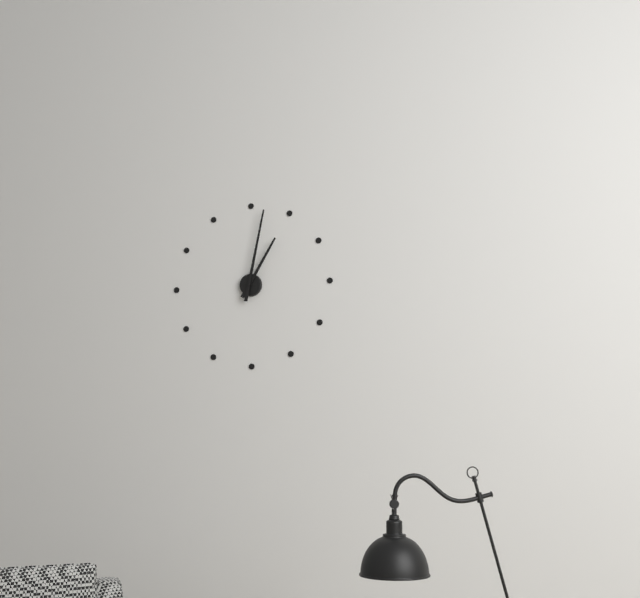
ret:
1.02
